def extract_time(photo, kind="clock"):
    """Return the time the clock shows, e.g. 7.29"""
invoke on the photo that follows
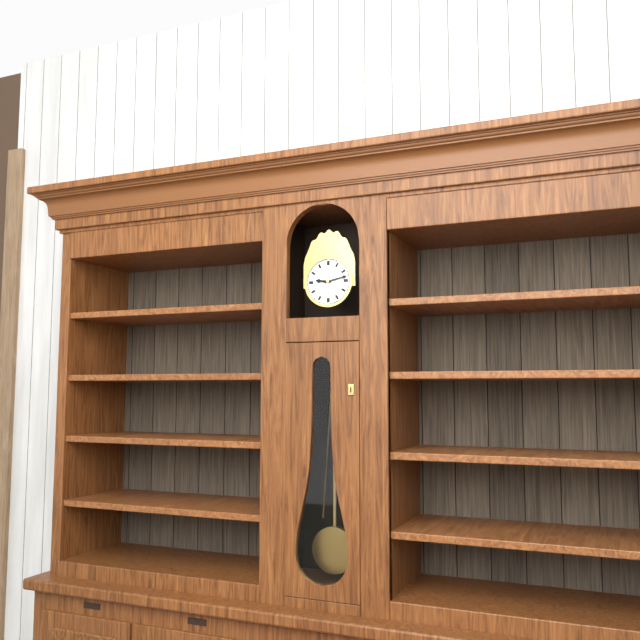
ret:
9.13
